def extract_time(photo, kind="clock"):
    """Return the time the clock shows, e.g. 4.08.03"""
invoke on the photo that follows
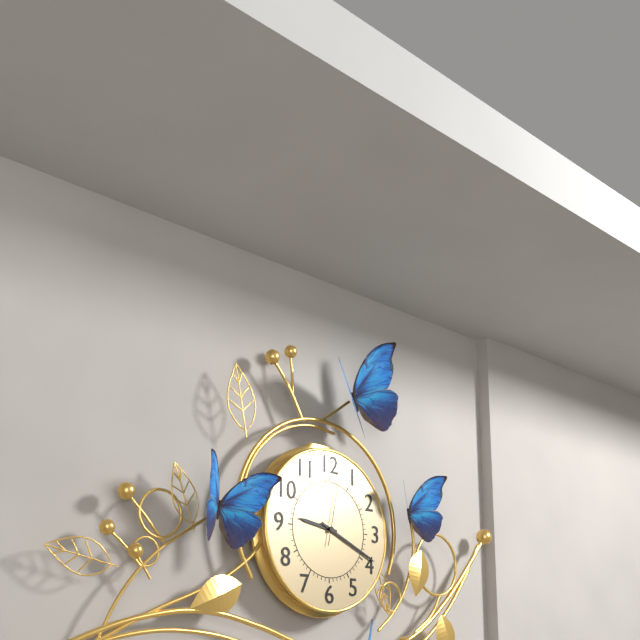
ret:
9.19.02
